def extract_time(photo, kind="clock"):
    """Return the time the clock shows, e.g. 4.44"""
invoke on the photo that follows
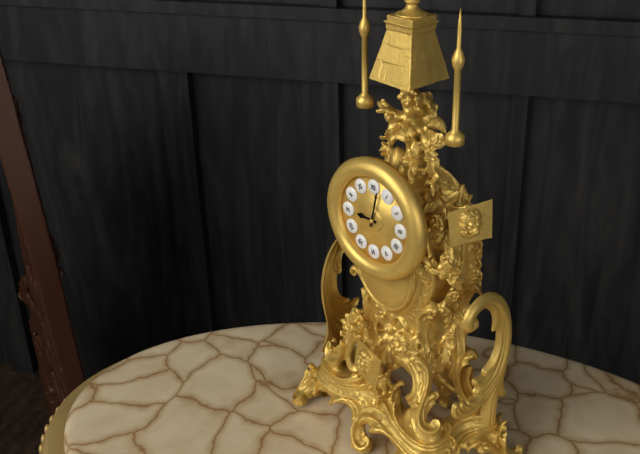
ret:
9.02
